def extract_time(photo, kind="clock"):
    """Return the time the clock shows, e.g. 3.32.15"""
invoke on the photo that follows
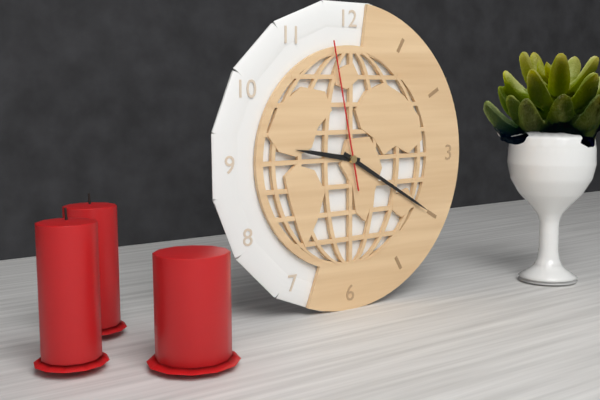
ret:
9.20.58
